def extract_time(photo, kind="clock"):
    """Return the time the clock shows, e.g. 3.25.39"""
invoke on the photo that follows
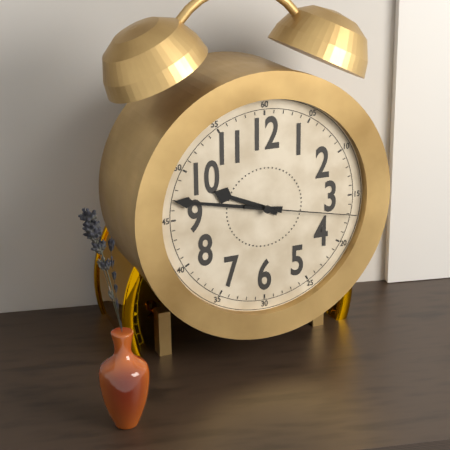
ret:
9.47.17
